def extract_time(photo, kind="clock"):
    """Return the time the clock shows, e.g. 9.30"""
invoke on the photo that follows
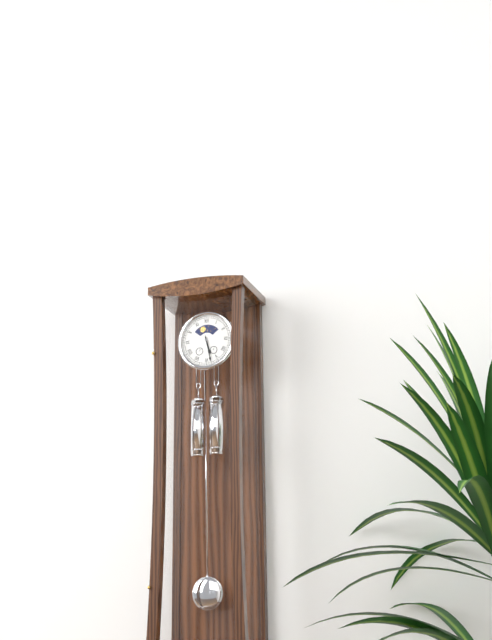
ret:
5.28
